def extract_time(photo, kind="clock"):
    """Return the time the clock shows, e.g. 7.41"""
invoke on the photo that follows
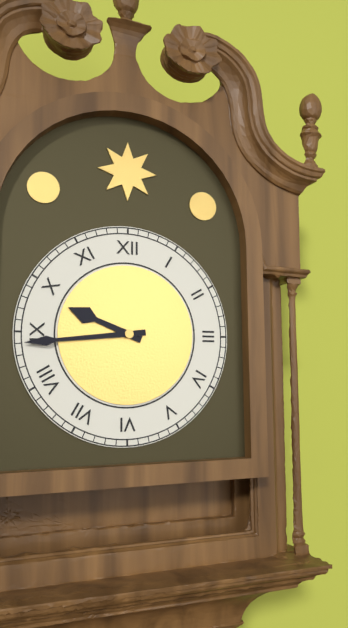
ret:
9.44
